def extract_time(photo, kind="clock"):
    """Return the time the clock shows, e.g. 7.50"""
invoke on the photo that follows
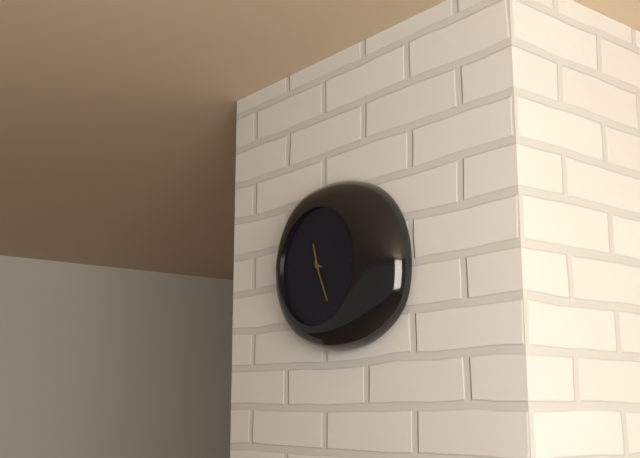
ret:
11.26
